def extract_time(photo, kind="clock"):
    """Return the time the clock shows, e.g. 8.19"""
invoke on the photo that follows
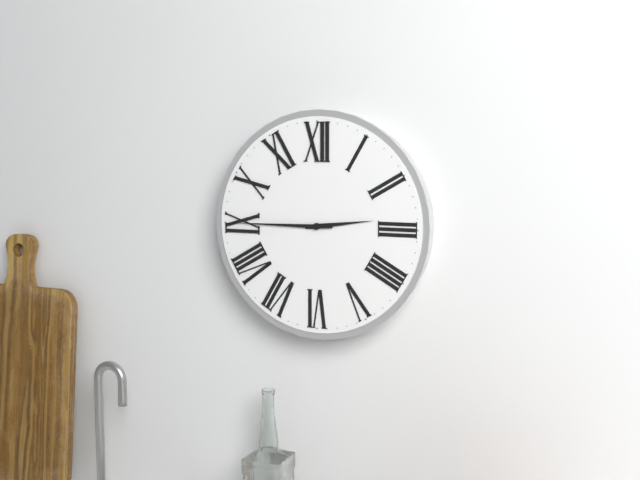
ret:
2.45
